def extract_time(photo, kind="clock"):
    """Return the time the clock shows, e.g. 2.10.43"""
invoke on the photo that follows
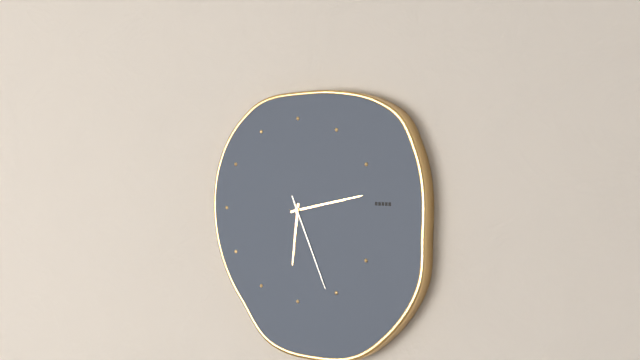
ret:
6.13.26
